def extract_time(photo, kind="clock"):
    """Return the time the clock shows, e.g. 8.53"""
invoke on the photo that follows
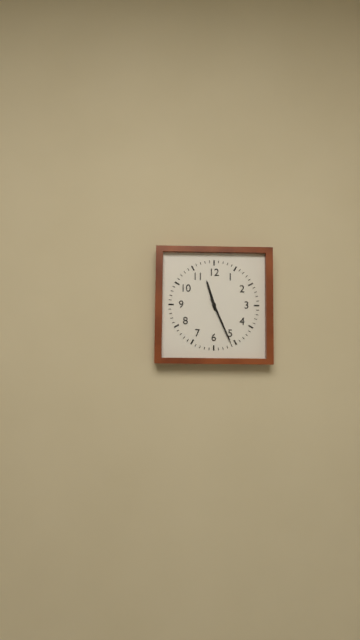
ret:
11.26
